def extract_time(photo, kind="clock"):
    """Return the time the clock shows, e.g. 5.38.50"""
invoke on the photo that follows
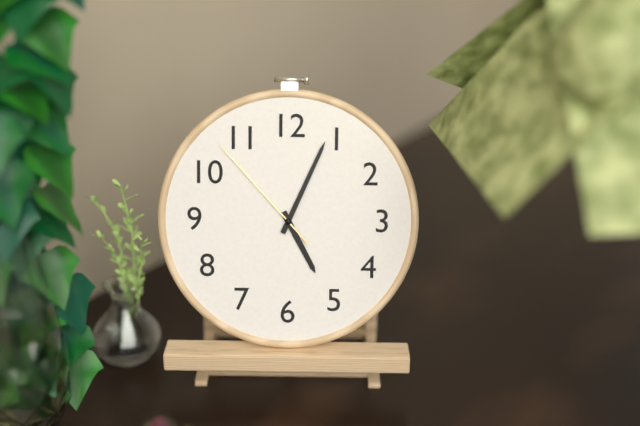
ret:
5.04.53
